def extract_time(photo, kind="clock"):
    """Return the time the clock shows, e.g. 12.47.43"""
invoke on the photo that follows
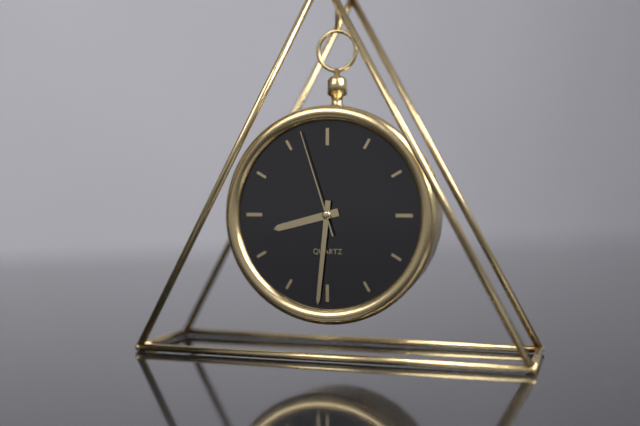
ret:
8.31.57
